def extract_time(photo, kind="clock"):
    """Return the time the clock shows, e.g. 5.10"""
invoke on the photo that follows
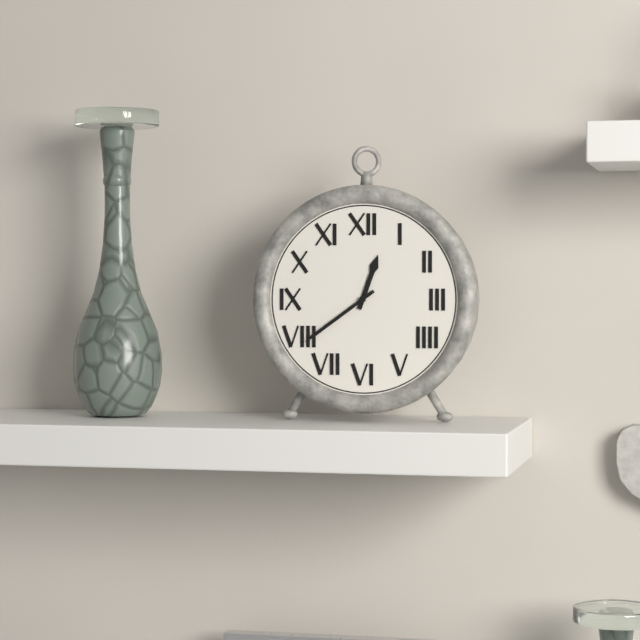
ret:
12.39
